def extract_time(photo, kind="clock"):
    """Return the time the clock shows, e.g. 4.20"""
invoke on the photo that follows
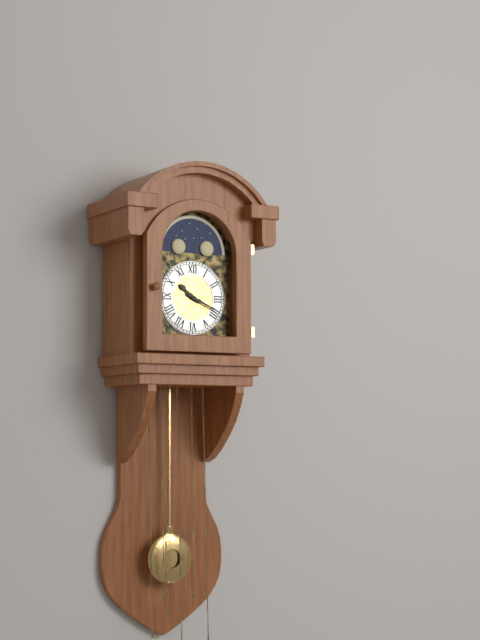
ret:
10.19
